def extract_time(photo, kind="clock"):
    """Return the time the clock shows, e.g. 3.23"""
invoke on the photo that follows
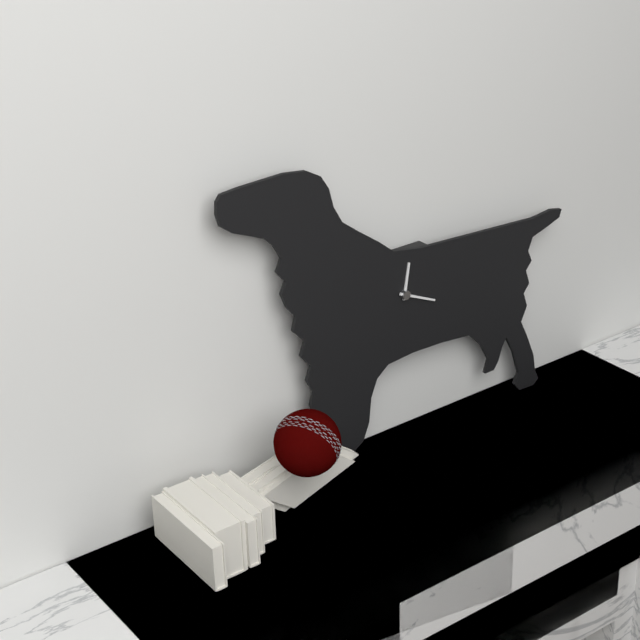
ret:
12.19
